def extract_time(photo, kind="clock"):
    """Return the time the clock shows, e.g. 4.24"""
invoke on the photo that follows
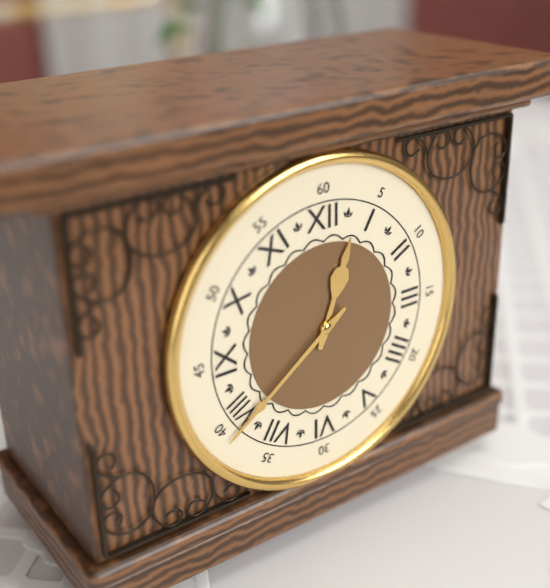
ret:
12.39
